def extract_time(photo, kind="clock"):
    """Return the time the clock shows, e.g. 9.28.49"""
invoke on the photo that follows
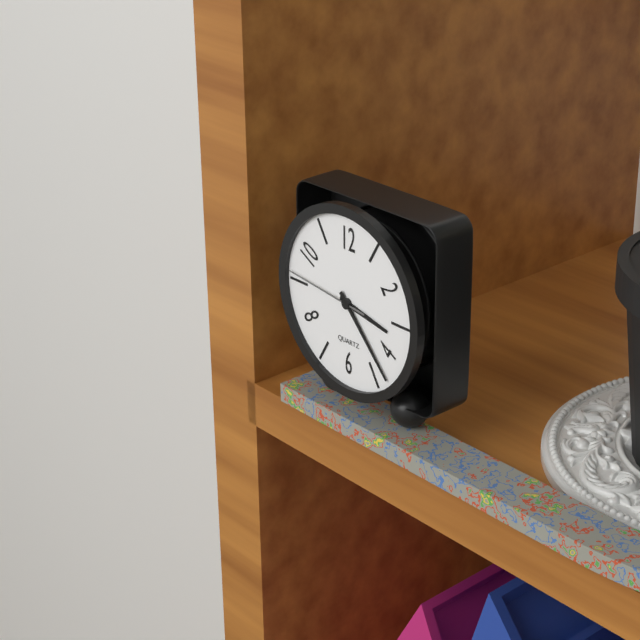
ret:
3.23.46
